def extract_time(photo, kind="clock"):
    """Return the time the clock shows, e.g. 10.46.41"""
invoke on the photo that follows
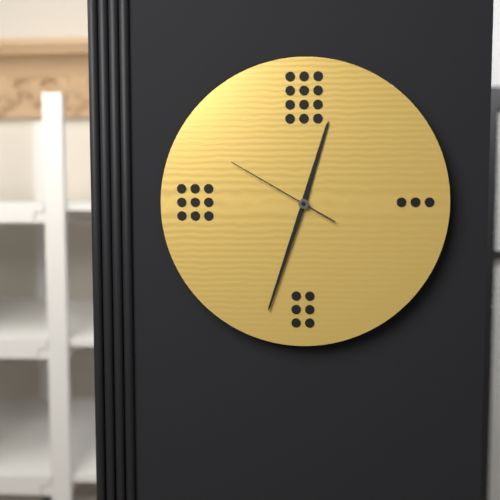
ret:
12.33.50
